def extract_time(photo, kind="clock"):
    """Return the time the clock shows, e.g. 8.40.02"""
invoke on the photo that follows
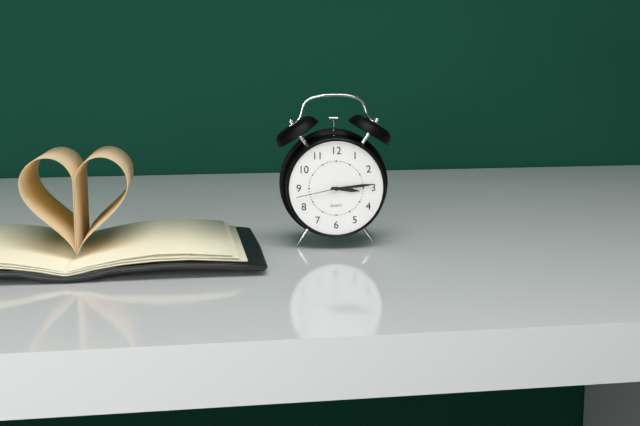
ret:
3.14.43
